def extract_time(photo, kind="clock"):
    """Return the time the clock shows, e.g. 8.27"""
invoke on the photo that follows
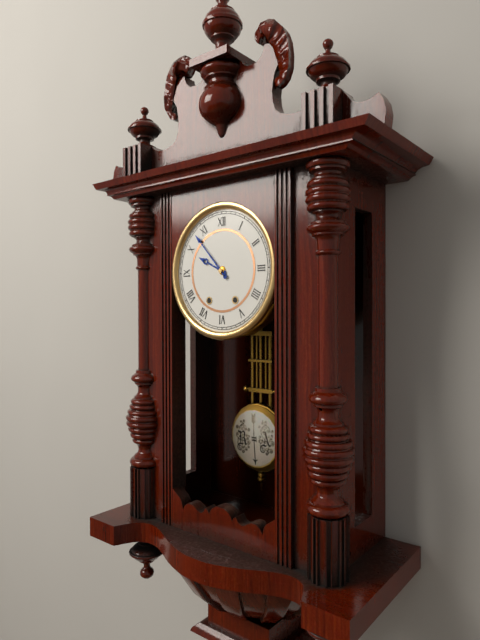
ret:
9.53
